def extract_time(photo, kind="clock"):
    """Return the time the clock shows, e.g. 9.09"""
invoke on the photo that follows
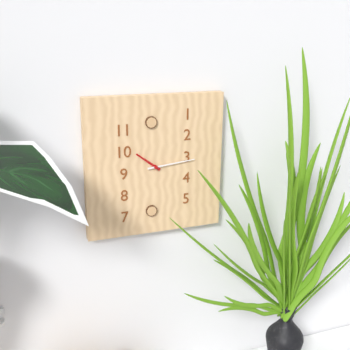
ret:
10.14
